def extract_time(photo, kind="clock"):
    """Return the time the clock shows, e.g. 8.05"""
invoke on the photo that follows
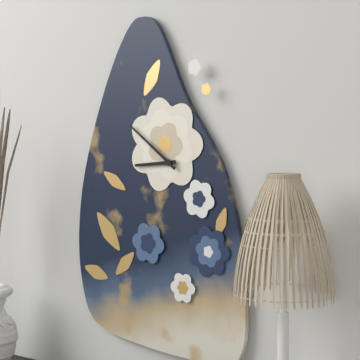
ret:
8.51
